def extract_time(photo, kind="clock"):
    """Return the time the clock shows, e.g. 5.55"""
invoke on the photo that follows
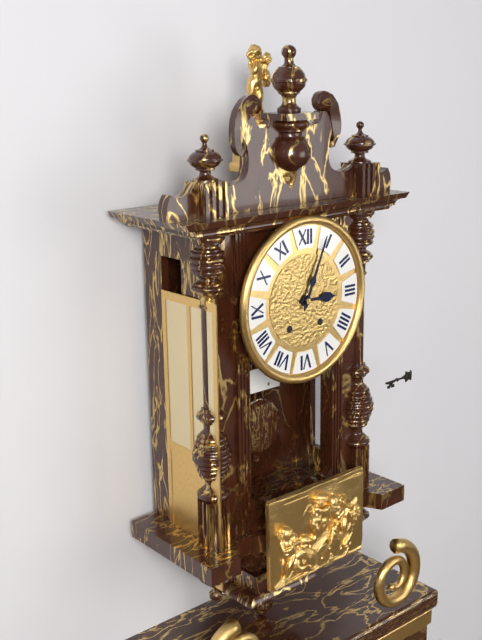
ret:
3.04
